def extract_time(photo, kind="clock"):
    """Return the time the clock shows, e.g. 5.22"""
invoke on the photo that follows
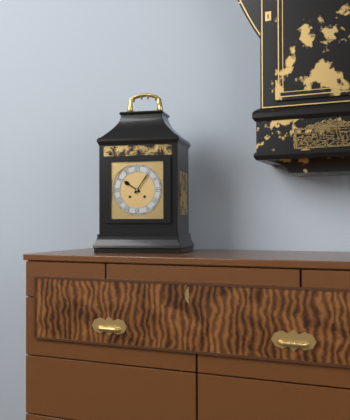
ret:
10.06
